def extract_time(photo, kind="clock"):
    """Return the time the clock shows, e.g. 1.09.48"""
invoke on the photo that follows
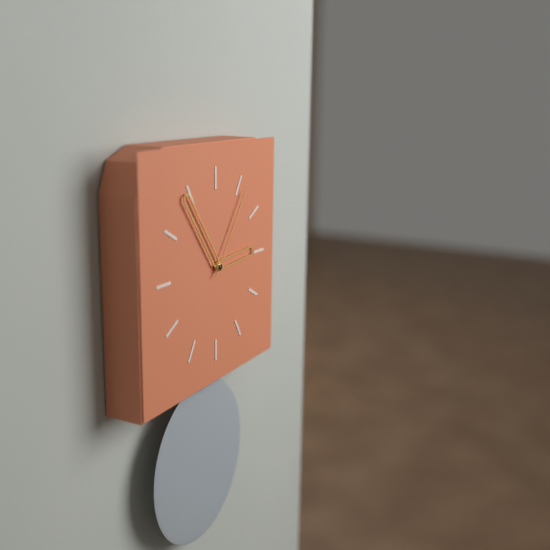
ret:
2.54.06
